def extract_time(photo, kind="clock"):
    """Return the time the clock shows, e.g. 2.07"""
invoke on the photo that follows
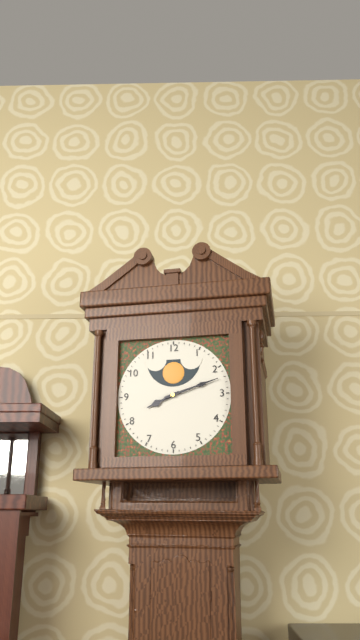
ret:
8.12
